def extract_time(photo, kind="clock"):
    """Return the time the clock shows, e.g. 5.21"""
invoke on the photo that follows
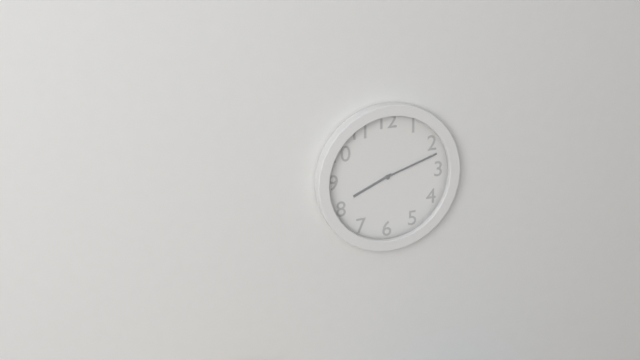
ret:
8.12
